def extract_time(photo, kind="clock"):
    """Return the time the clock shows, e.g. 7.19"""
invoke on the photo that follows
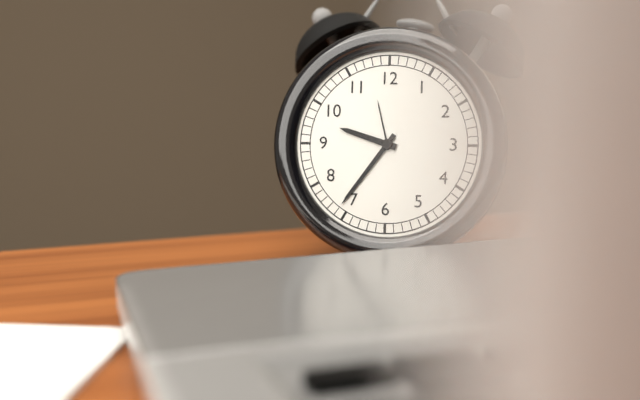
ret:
9.36
